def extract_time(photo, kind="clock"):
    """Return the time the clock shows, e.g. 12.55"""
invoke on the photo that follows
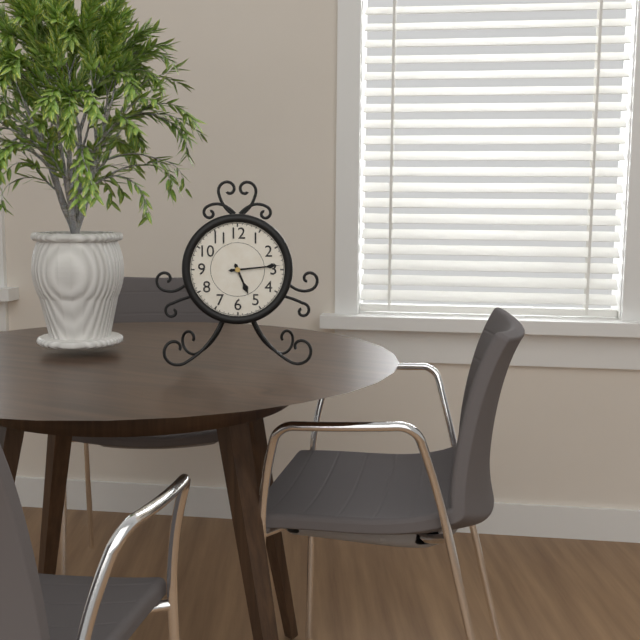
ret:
5.14
